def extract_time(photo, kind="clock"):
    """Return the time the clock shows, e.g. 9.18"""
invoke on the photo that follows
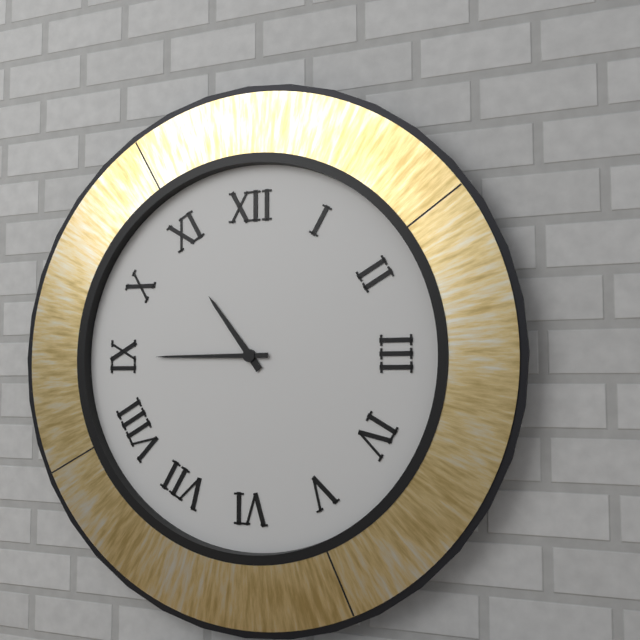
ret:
10.45
